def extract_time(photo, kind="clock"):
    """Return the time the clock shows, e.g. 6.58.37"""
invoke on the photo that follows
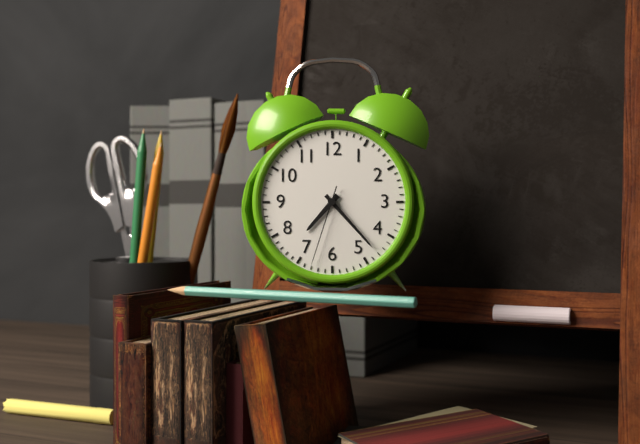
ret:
7.23.33
